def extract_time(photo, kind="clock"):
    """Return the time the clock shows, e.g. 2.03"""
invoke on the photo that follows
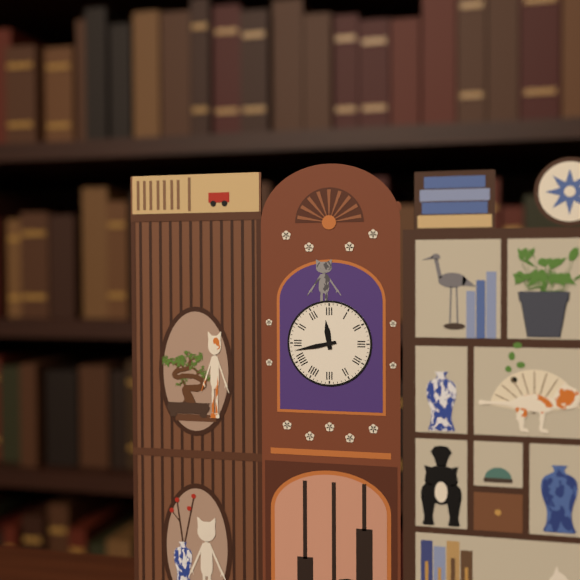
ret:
11.43
